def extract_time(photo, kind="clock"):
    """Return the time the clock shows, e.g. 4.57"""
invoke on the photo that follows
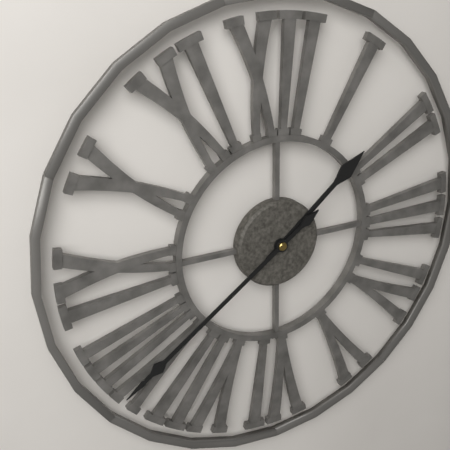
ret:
1.39
